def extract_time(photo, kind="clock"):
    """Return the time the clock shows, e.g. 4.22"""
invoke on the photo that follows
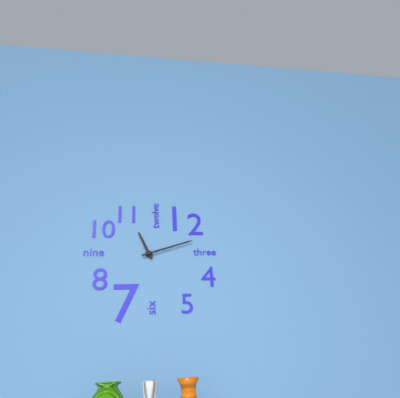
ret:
11.12
